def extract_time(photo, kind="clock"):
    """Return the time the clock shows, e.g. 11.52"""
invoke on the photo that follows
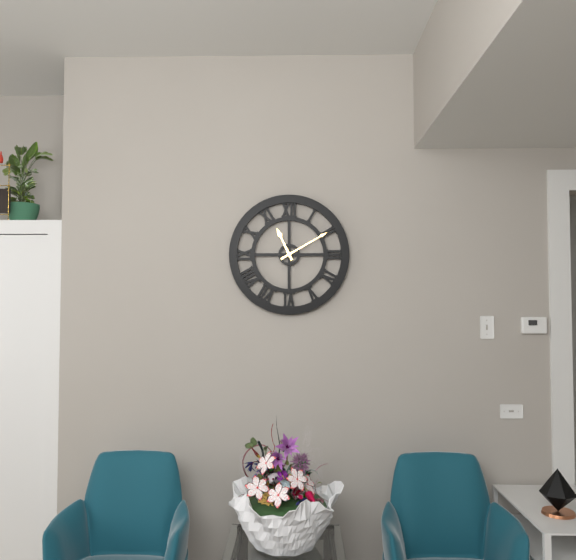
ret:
11.10
